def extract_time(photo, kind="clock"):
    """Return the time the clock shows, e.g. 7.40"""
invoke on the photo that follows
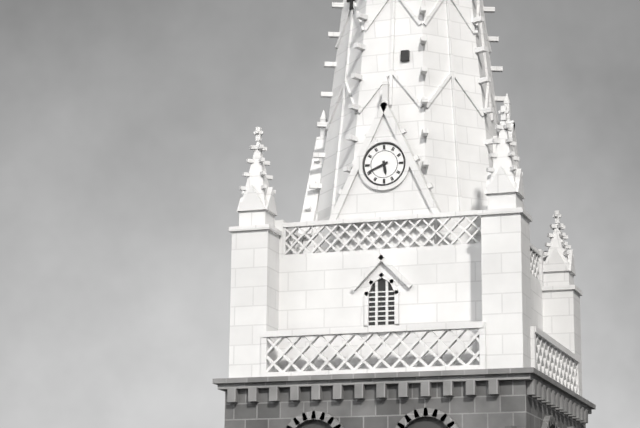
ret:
5.41
